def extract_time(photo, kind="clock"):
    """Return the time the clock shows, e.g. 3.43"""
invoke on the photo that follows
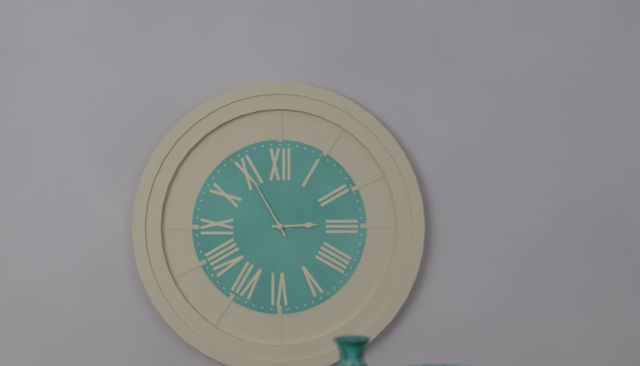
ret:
2.55
